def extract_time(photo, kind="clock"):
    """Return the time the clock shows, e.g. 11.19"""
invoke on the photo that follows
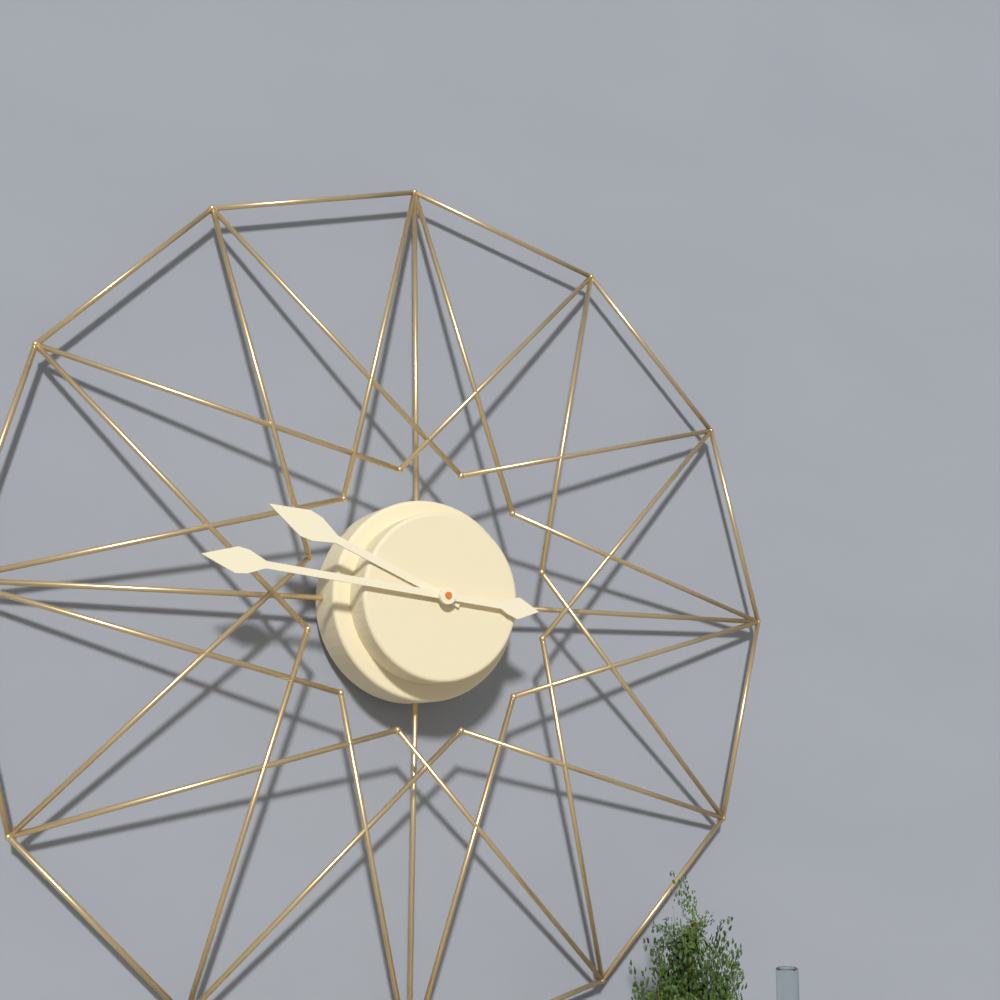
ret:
9.46
